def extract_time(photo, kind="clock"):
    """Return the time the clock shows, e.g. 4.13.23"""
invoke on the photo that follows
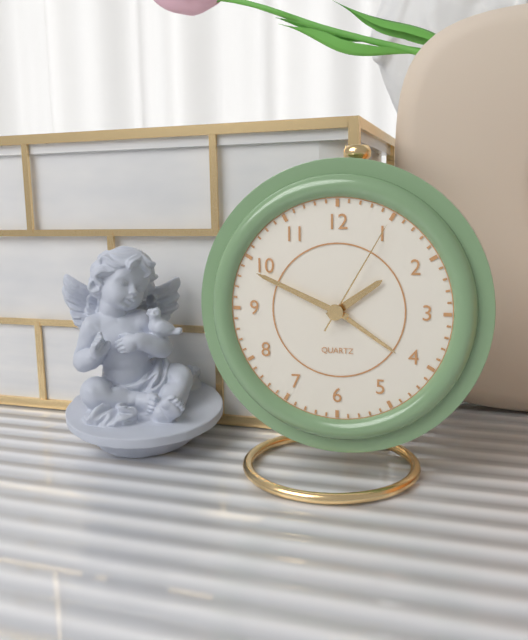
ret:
1.49.05
